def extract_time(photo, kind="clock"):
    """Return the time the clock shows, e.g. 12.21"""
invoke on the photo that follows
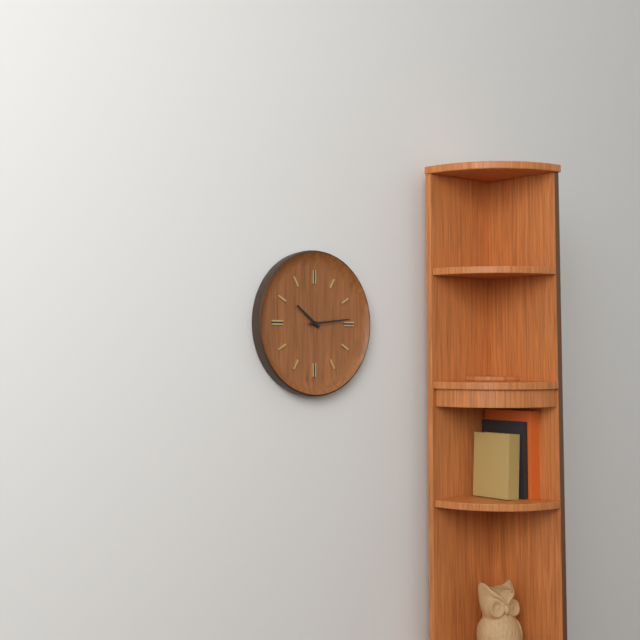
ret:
10.14
